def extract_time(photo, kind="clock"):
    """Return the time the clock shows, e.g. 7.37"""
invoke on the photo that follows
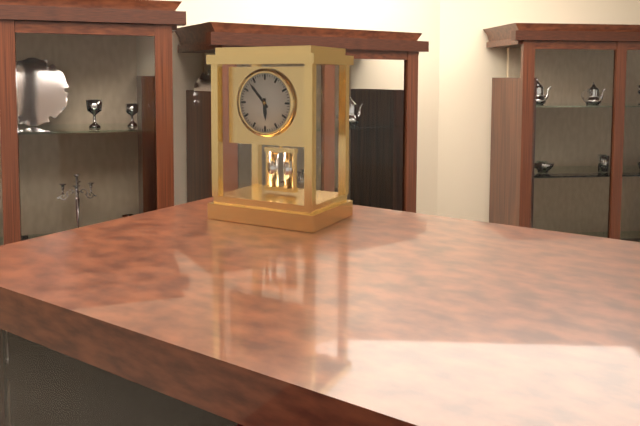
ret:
5.53
